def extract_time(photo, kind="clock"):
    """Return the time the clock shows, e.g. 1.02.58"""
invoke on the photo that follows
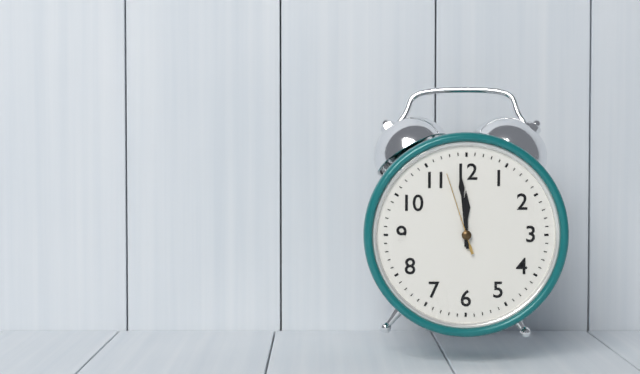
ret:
11.59.57
